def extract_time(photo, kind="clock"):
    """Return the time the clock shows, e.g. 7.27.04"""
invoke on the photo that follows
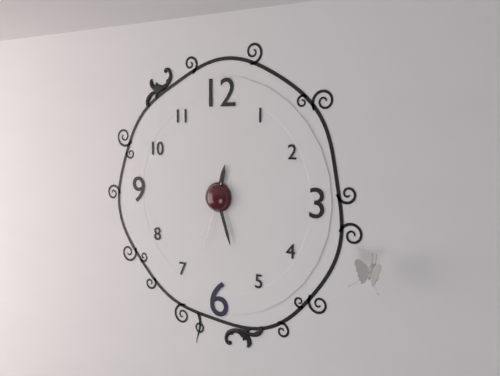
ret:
12.27.33
